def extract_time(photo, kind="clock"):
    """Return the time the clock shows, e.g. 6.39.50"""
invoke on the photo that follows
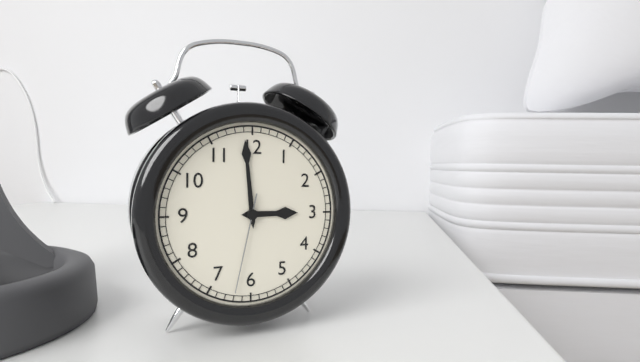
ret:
2.59.32
